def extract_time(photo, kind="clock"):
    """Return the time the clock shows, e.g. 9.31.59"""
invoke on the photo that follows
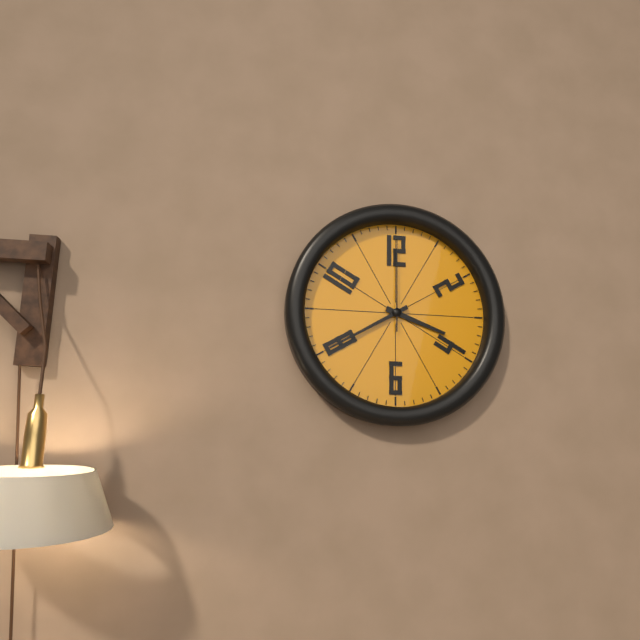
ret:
3.40.00
